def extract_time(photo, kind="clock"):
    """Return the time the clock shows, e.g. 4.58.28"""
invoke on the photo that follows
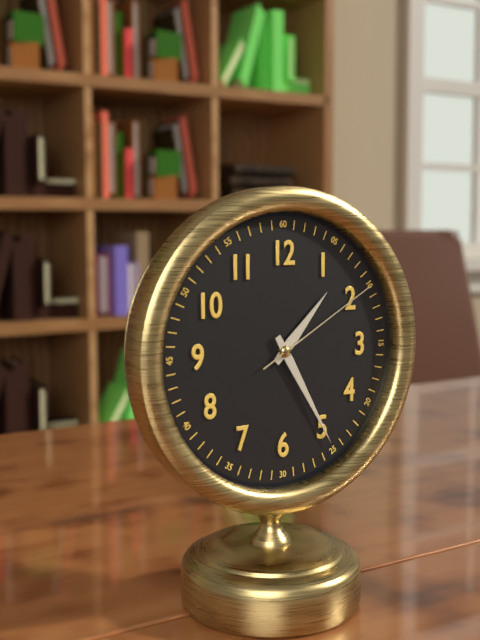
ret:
1.25.10
